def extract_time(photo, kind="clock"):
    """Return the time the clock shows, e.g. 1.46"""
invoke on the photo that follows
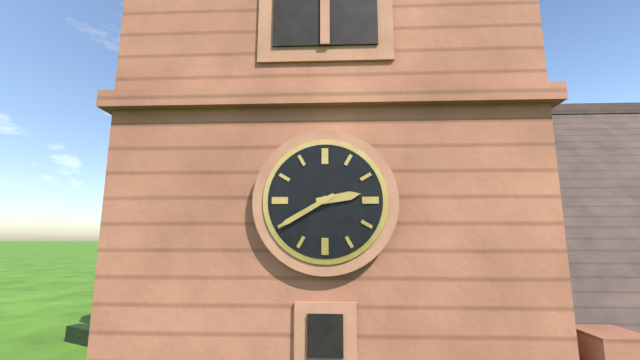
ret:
2.40
